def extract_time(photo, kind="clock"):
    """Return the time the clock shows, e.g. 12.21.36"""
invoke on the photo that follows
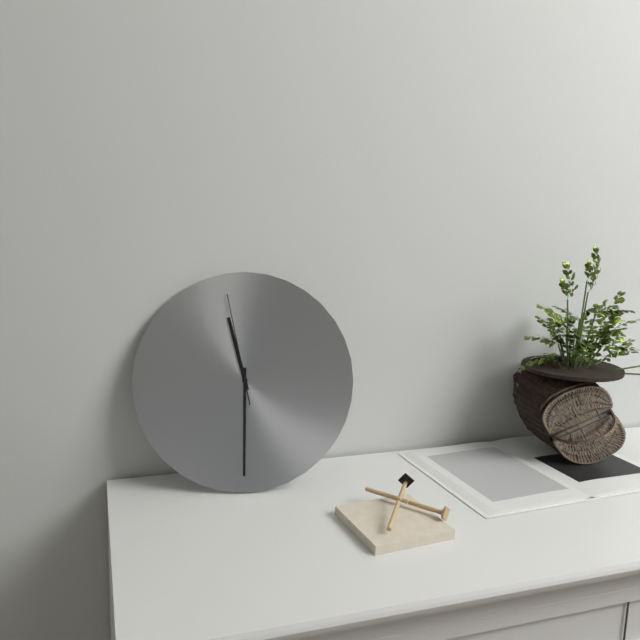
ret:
11.30.58
